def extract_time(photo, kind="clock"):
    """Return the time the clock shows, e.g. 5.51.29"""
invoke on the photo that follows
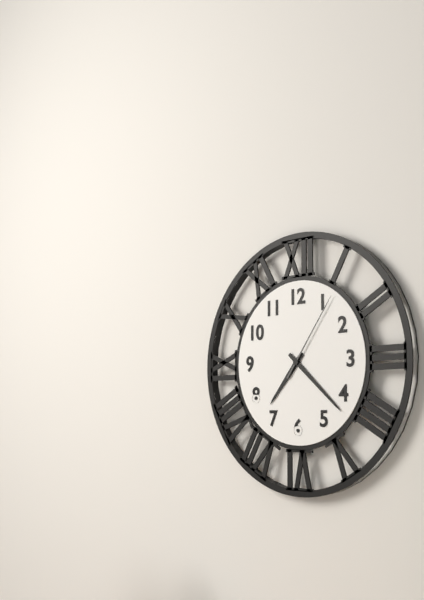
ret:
7.22.06
